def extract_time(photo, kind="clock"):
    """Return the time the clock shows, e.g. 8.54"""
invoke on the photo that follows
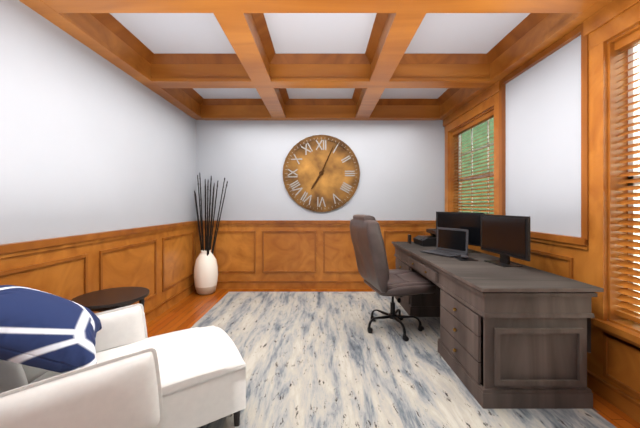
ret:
7.04
